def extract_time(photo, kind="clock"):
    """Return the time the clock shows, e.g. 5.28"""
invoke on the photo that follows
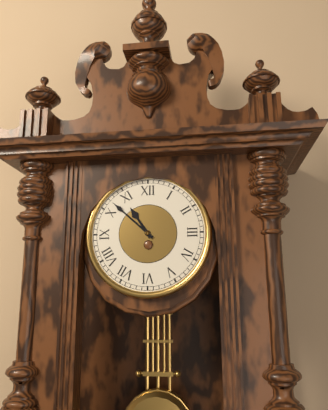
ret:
10.52
